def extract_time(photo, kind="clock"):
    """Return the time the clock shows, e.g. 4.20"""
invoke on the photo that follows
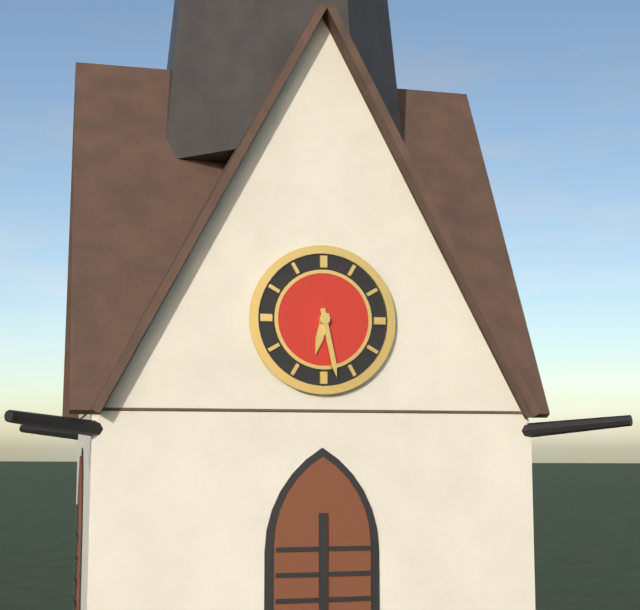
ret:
6.28
